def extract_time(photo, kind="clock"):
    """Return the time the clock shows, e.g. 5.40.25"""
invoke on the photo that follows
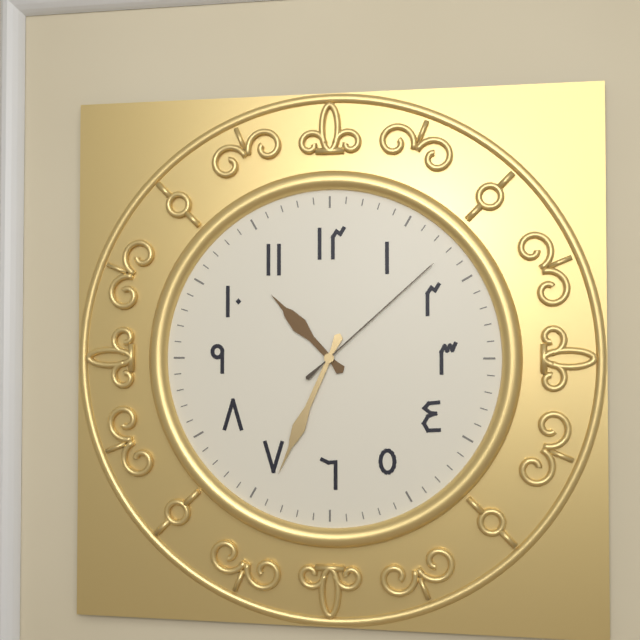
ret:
10.34.08
